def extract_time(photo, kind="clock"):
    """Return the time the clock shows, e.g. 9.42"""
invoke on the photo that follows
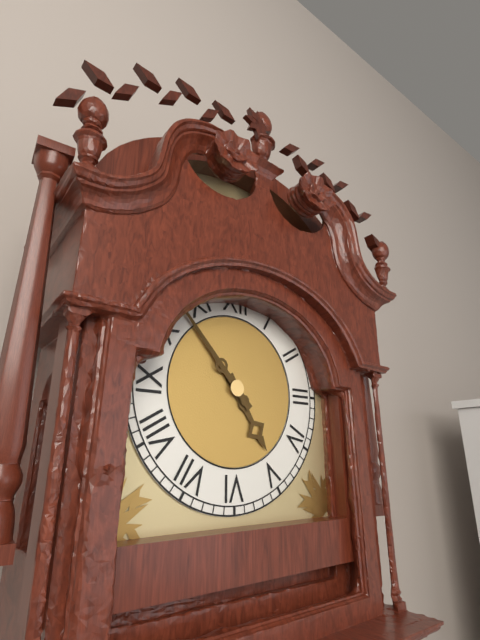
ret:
4.53
